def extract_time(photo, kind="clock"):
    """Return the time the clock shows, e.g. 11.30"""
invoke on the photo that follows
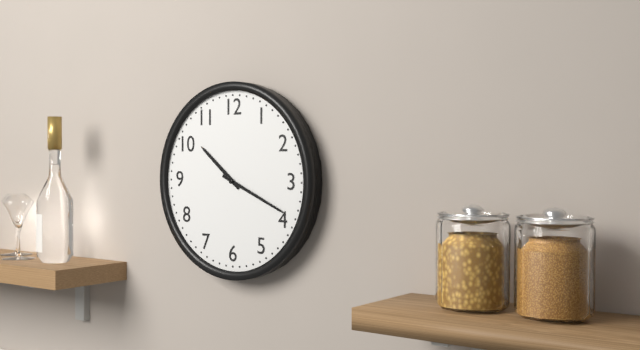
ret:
10.19
